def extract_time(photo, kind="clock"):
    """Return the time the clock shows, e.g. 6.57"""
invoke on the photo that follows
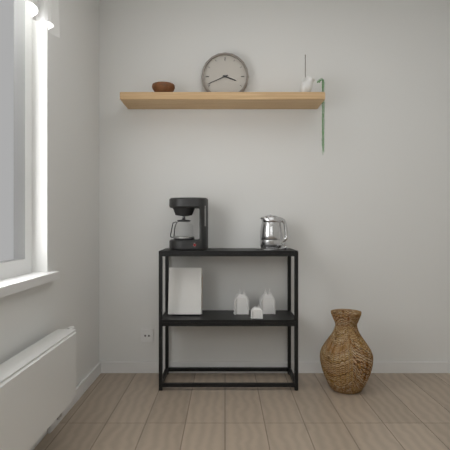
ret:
3.41
